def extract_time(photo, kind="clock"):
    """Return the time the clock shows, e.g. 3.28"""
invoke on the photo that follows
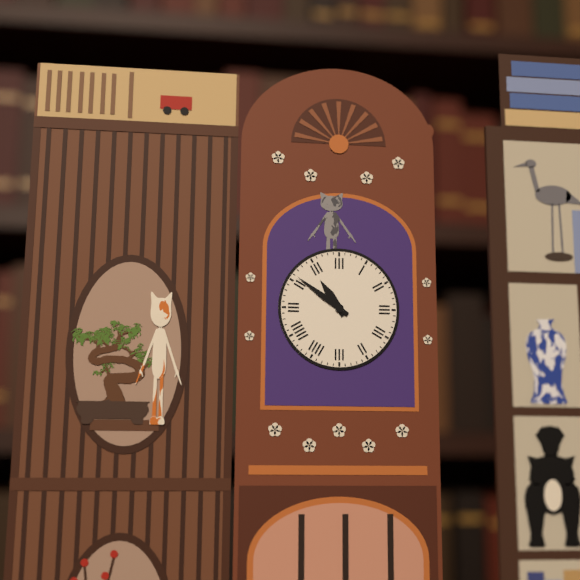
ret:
10.51
